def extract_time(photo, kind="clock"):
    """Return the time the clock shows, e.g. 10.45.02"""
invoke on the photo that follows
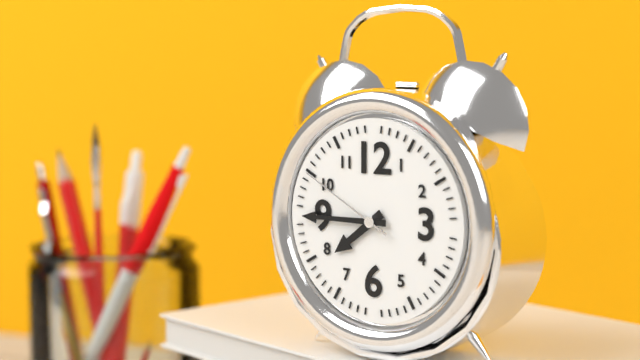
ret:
7.45.50
